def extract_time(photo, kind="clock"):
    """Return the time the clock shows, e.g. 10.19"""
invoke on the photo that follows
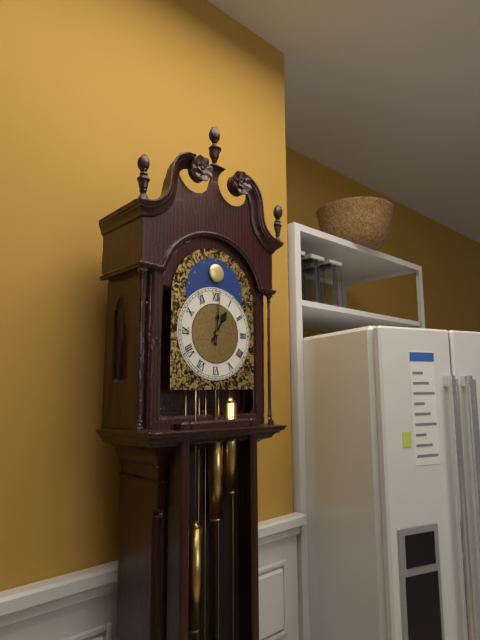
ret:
1.01
